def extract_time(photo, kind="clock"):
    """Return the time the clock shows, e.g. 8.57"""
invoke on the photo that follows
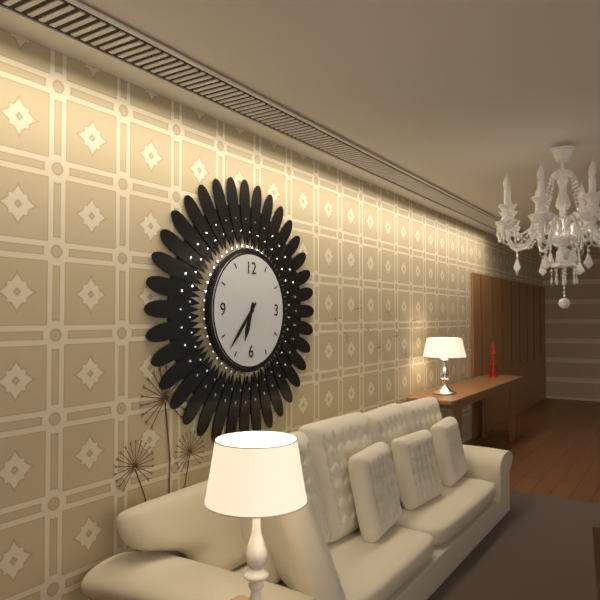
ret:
6.37
